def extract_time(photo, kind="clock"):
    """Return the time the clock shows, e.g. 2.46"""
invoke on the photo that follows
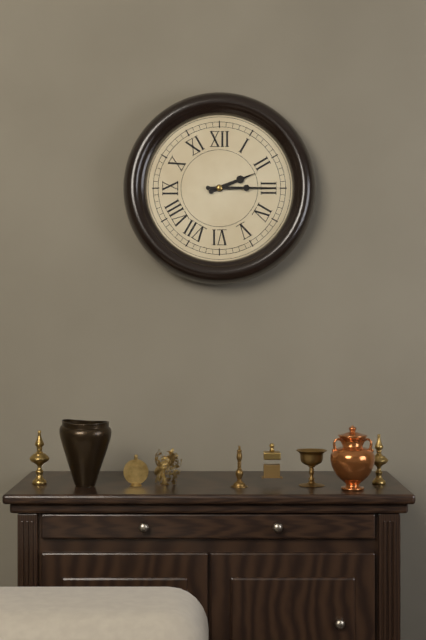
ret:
2.15
